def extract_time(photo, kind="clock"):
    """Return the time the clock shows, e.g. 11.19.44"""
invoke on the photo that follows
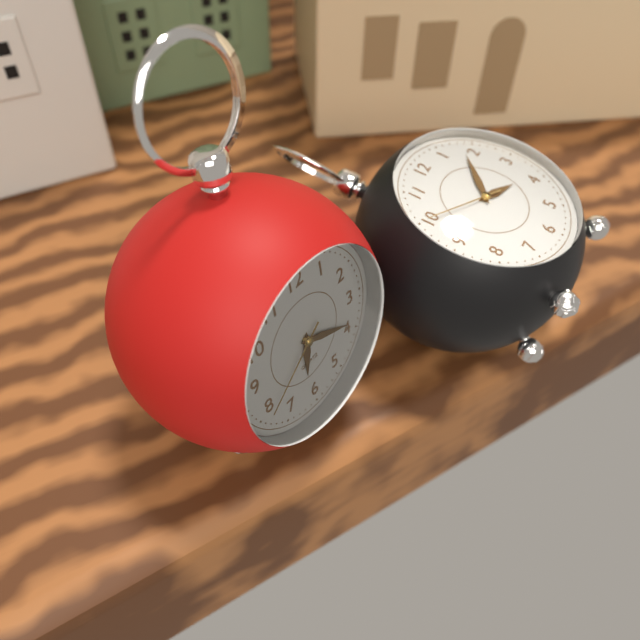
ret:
6.19.39
